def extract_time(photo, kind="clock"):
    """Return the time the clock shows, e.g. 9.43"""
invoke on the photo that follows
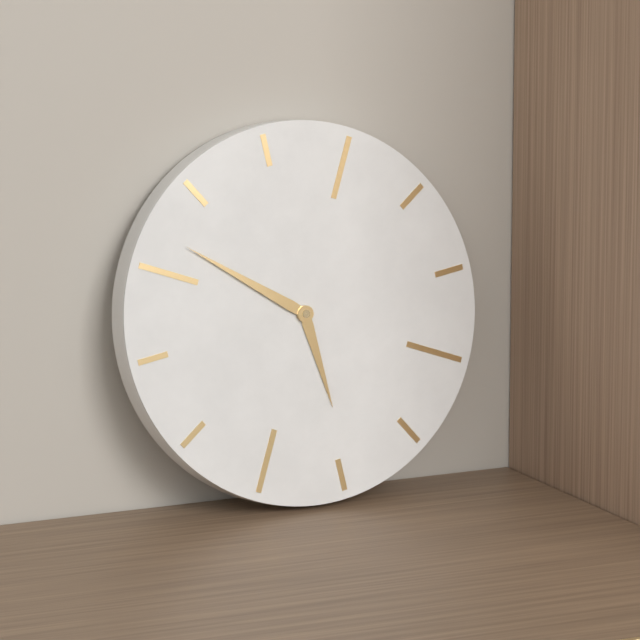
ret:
5.52
